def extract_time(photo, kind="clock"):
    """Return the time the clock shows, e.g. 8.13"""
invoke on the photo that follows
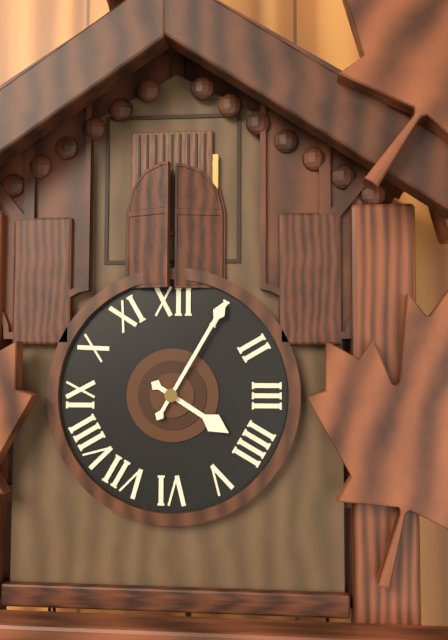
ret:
4.05
